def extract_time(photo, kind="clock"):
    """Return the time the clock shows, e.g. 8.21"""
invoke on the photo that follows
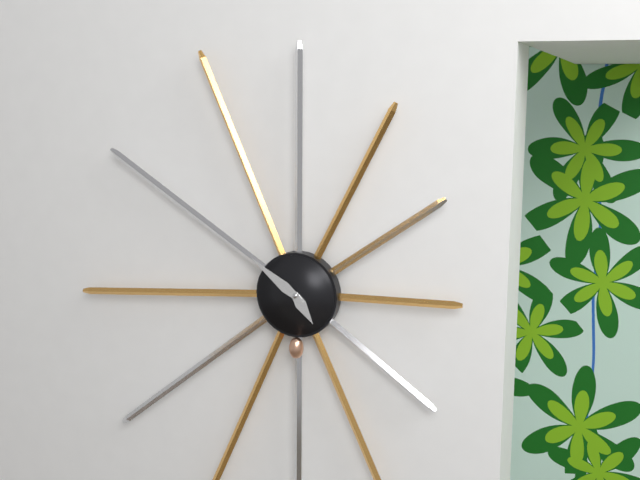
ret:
4.51
